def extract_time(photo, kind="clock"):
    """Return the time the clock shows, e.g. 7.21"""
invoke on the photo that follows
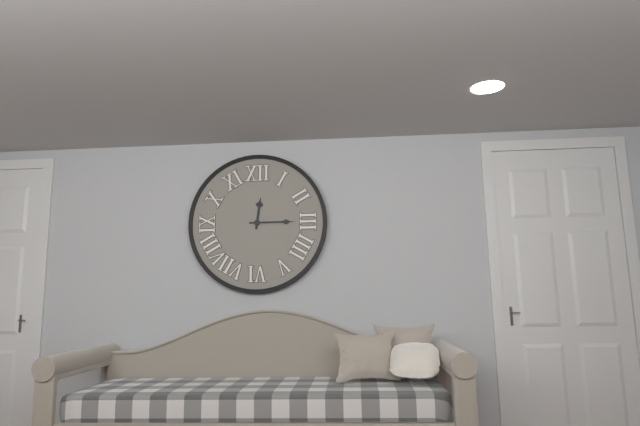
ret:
12.15
